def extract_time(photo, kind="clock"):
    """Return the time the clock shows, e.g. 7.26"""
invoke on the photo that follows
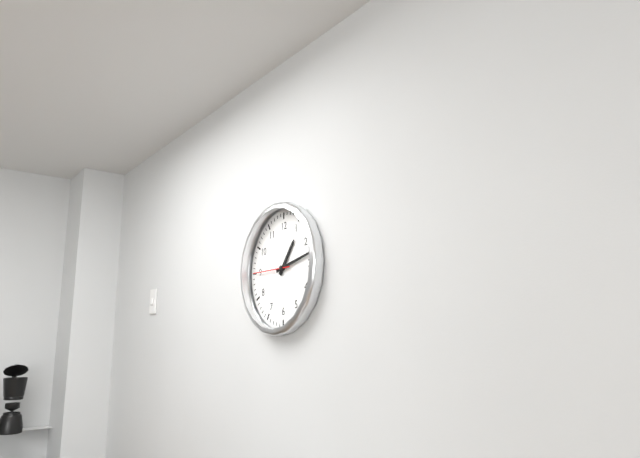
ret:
1.13
